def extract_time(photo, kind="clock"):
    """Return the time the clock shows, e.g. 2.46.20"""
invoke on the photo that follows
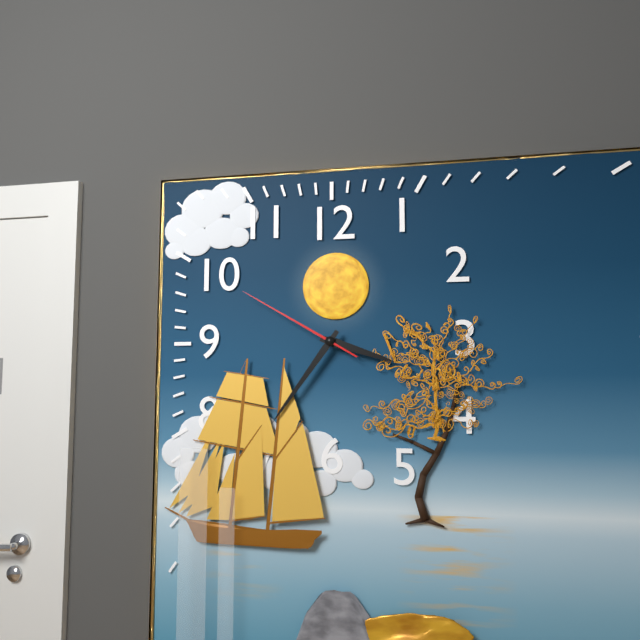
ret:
3.36.50
